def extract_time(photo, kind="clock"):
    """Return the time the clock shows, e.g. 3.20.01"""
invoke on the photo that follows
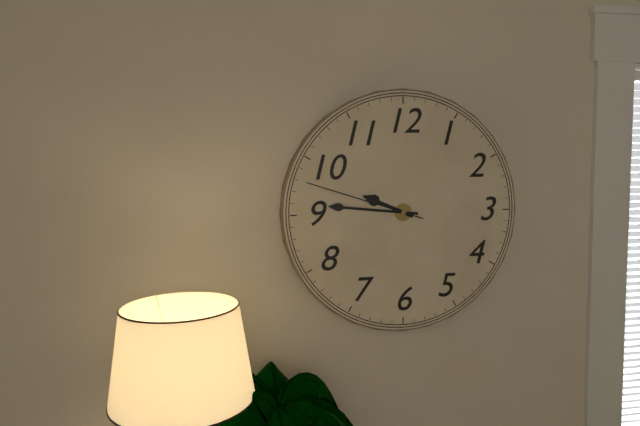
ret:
9.46.48
